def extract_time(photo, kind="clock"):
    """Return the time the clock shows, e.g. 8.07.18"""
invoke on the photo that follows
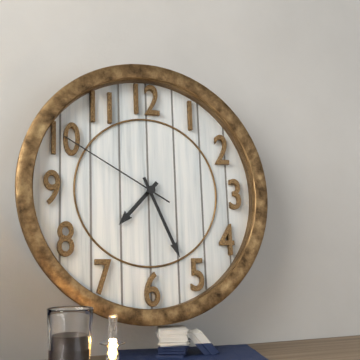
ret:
7.26.50
